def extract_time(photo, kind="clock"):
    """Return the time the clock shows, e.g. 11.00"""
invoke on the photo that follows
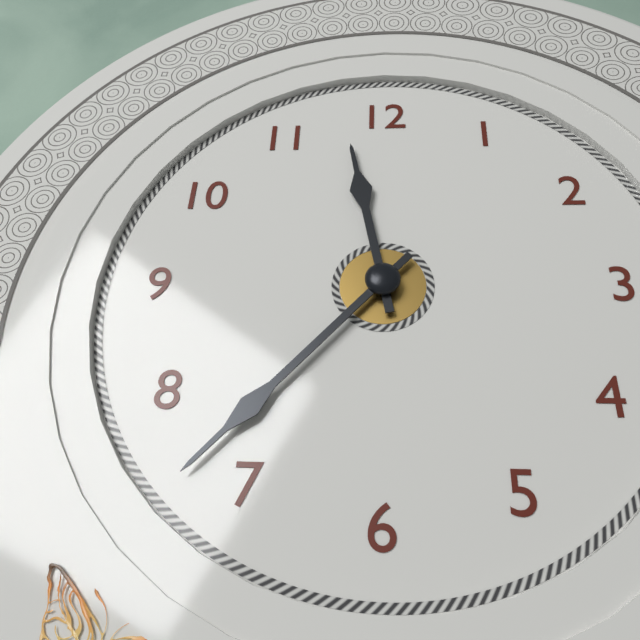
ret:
11.37
